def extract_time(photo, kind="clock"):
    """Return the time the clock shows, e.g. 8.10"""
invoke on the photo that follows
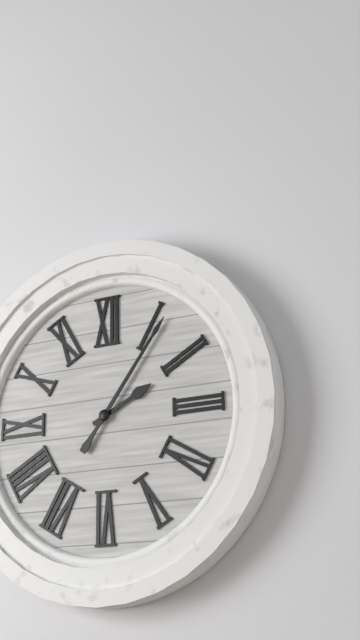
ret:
2.06
